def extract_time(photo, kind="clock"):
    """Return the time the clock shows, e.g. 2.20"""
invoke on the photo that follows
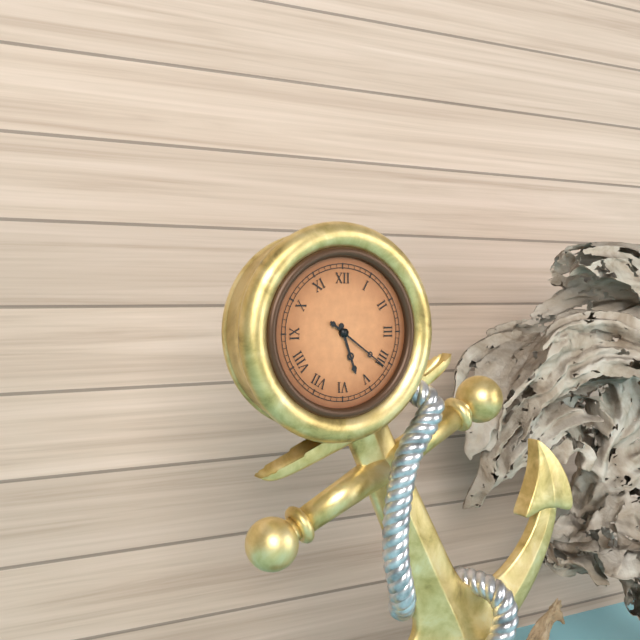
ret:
5.21
